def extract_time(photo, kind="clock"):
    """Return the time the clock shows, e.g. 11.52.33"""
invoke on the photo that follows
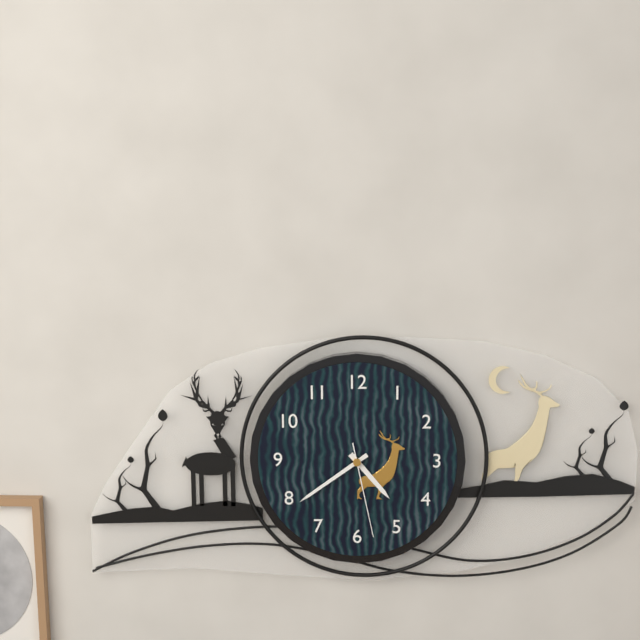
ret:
4.39.28
